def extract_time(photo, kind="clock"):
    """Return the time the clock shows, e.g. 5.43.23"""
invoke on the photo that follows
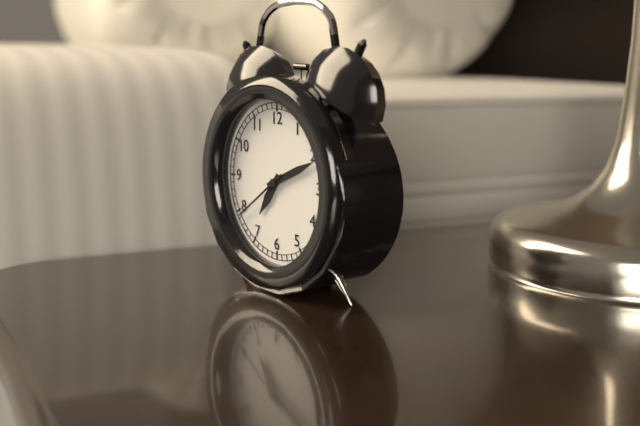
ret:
7.11.39
